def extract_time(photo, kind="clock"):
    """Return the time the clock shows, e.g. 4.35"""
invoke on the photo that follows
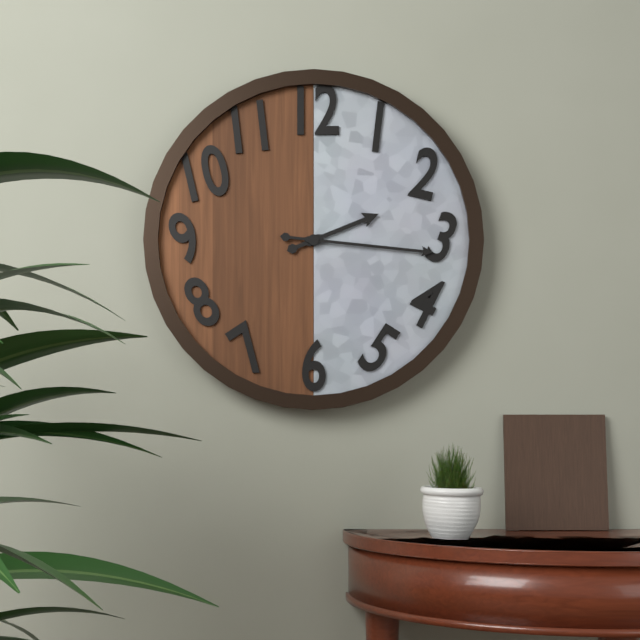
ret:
2.16
